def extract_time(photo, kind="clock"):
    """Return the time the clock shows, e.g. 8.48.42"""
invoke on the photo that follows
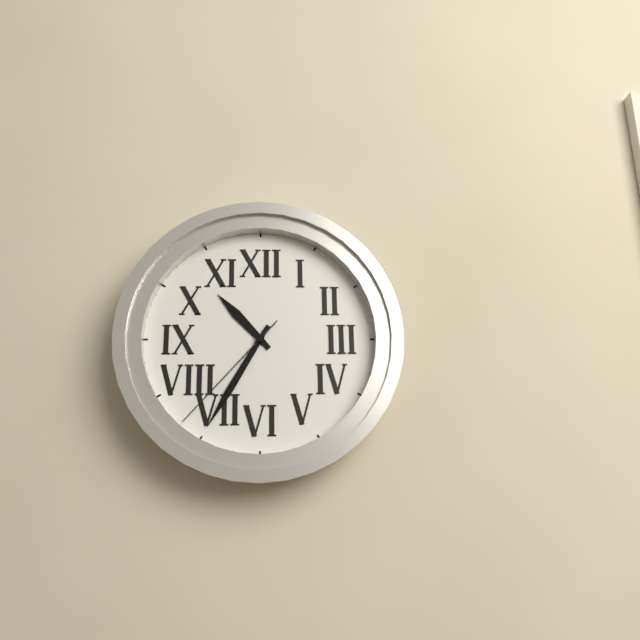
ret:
10.35.37
